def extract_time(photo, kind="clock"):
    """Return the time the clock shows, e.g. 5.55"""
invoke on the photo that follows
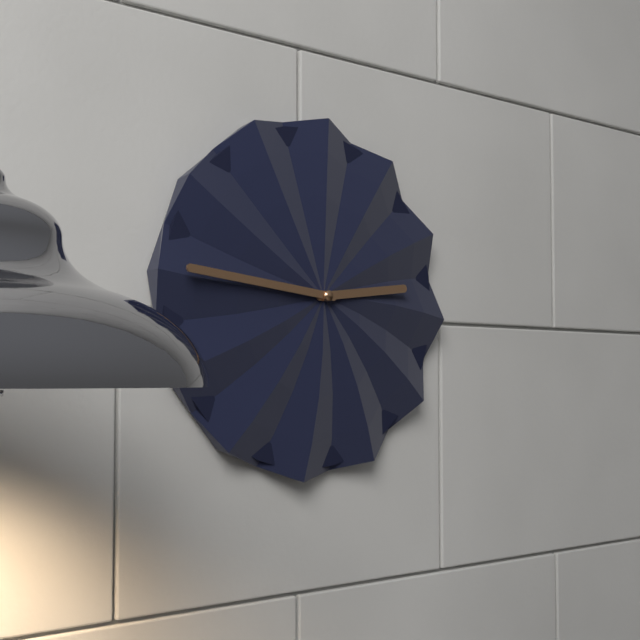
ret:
2.46
